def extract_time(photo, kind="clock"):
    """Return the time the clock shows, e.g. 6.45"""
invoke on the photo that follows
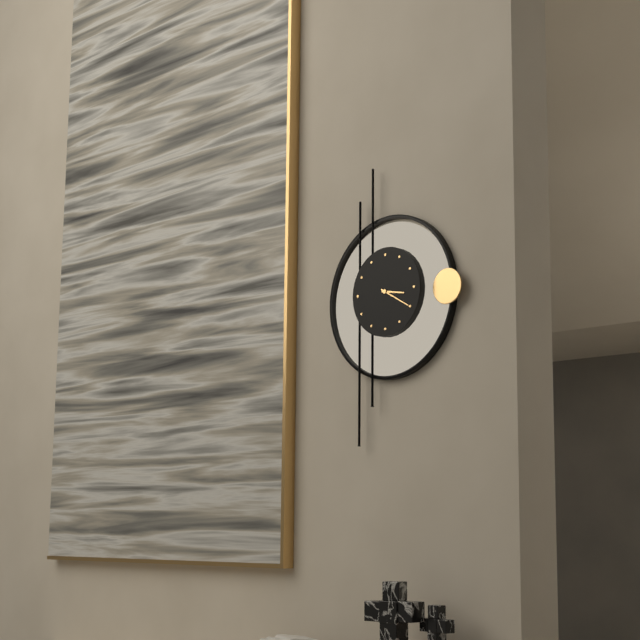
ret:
3.20
